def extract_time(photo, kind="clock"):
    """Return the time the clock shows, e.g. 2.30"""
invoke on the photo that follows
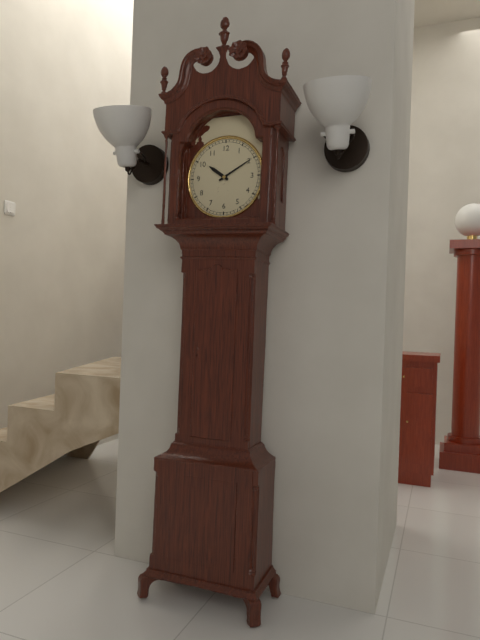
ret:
10.10
